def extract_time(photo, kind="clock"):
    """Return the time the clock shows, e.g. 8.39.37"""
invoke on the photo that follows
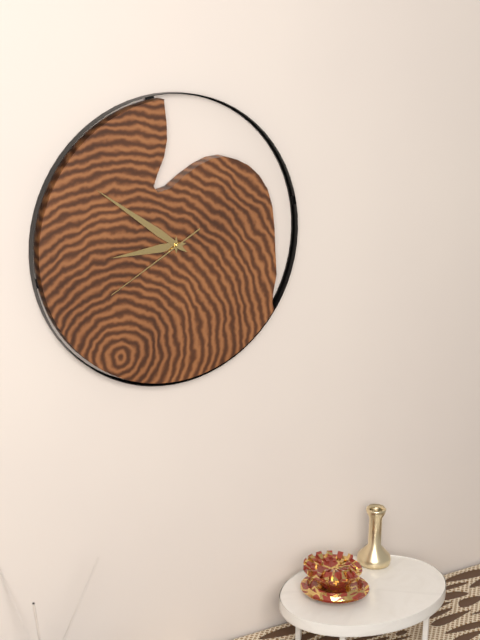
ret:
8.51.40
